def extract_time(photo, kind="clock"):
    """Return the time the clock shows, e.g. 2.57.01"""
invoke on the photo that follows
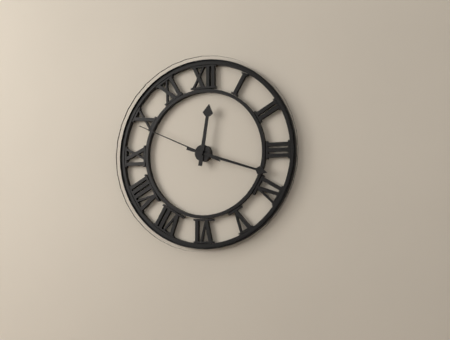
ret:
12.18.49
